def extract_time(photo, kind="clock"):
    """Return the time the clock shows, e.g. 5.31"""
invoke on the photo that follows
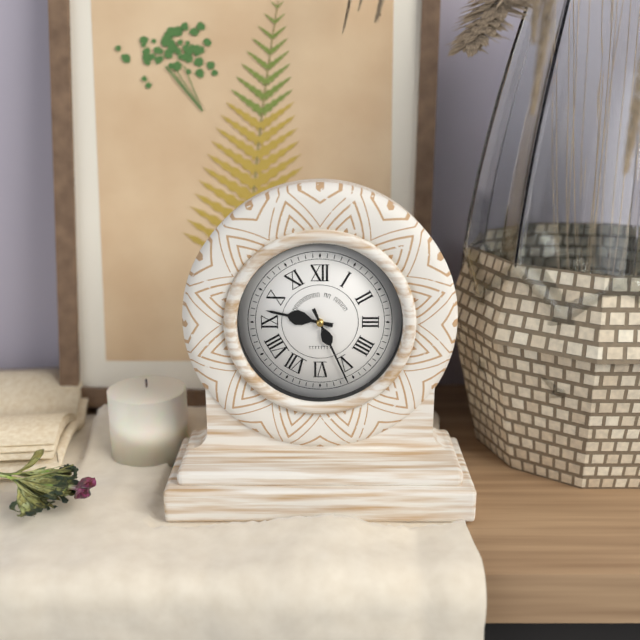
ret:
9.26
